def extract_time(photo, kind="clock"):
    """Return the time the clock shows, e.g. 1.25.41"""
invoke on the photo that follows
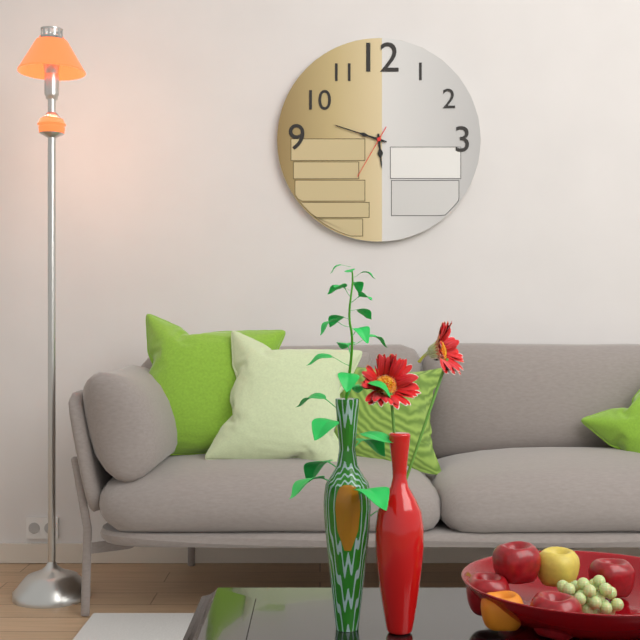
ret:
5.48.35
